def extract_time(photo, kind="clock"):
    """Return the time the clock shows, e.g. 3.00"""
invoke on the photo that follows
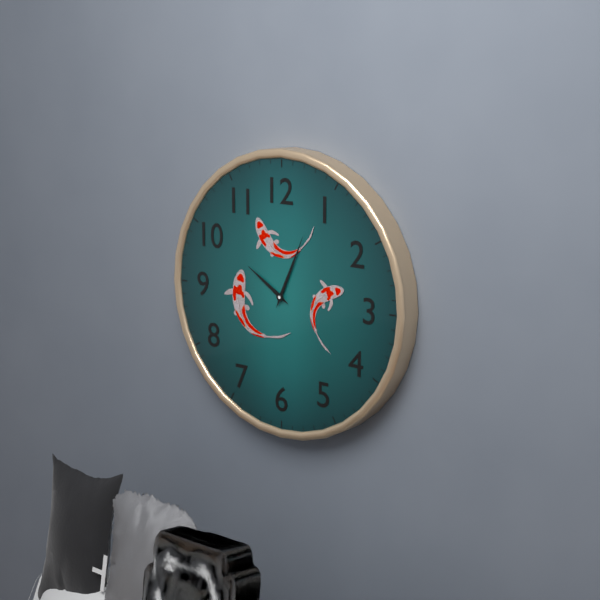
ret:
10.04
